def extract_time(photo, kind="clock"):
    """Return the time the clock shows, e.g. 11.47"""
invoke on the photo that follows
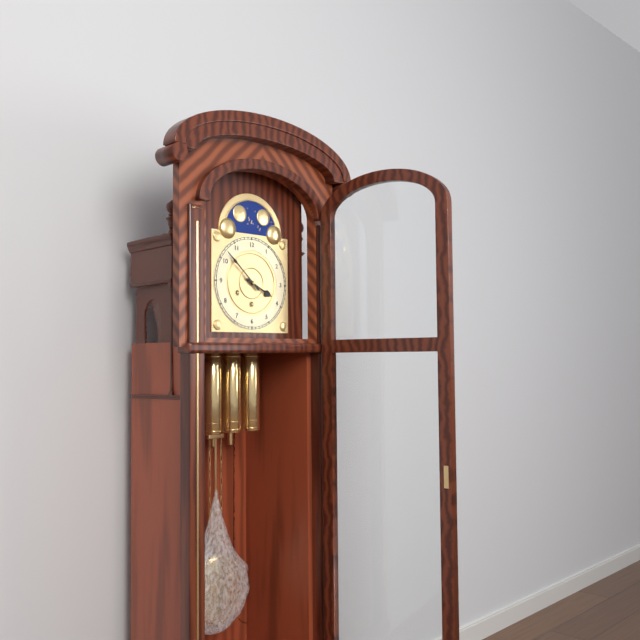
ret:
3.52
